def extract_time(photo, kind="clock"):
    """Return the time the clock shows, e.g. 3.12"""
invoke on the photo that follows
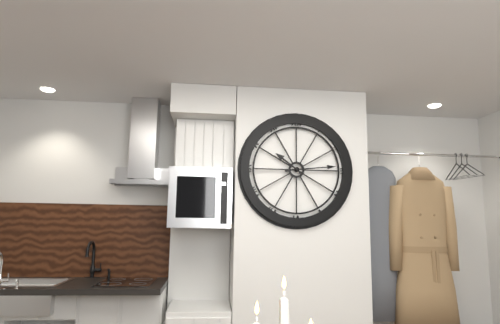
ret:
10.14
